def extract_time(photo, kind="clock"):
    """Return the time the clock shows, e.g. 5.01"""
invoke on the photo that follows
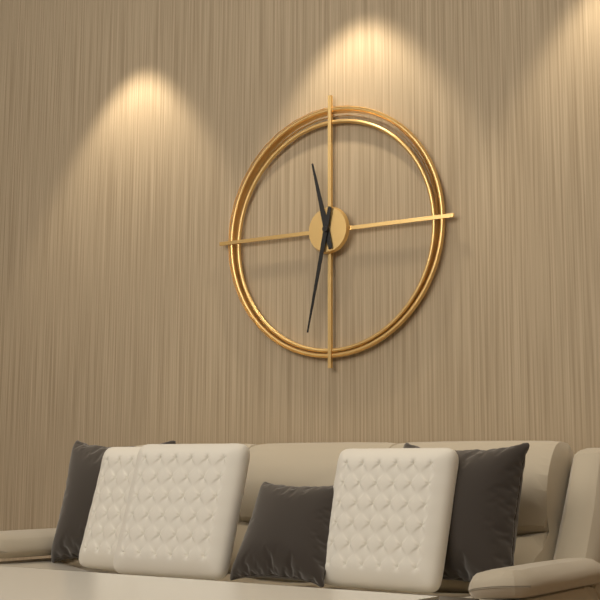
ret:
11.32
